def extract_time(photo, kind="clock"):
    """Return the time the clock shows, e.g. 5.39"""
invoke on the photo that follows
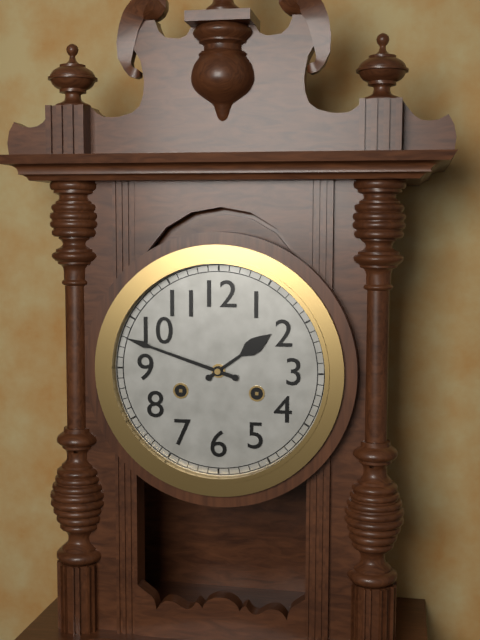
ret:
1.48
